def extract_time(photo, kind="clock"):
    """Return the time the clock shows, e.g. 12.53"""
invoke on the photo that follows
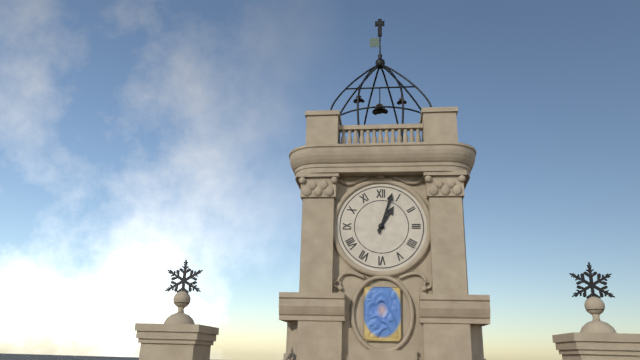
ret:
1.03
